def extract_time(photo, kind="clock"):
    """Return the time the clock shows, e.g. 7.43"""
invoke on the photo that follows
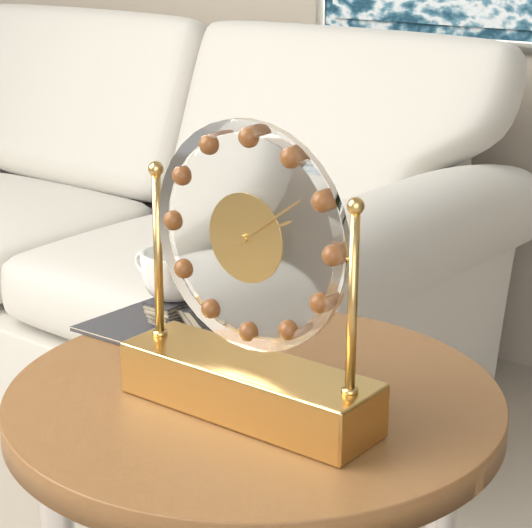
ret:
2.09
